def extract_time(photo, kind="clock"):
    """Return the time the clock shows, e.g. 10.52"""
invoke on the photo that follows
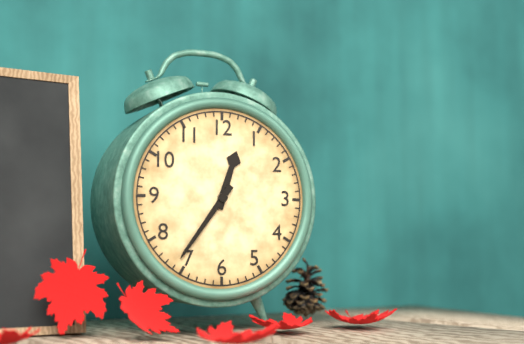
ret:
12.36
